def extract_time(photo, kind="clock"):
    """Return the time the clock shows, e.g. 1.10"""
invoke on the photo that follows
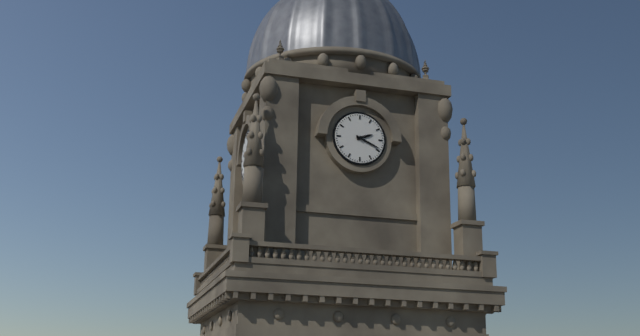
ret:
2.19
